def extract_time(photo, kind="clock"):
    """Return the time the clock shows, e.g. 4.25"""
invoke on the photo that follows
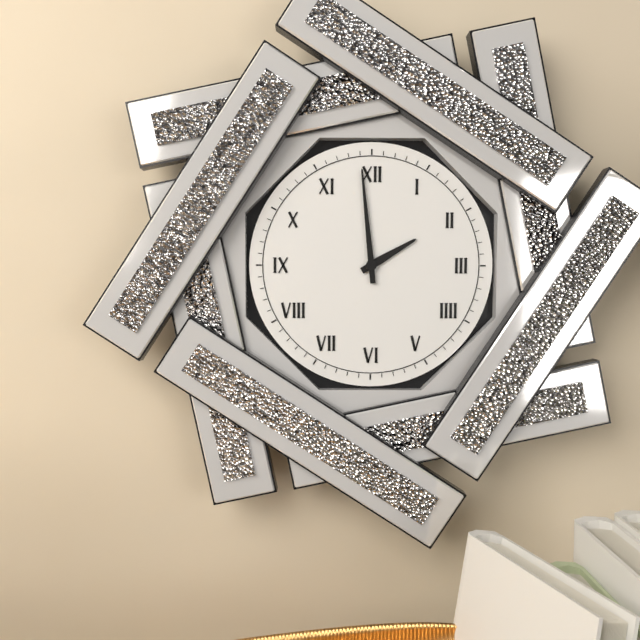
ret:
1.59
